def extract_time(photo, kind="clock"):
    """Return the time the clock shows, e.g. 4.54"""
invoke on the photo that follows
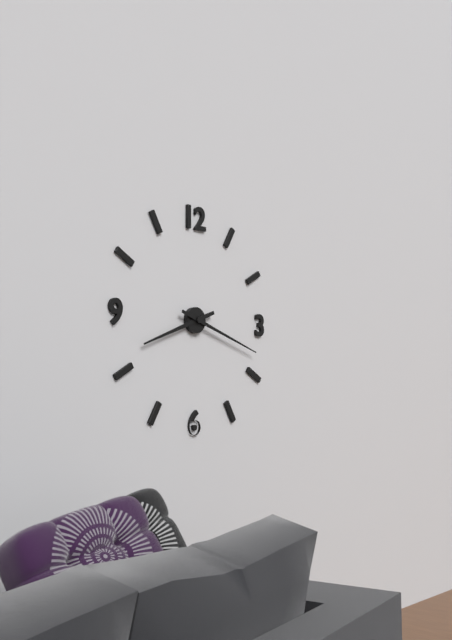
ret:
8.18
